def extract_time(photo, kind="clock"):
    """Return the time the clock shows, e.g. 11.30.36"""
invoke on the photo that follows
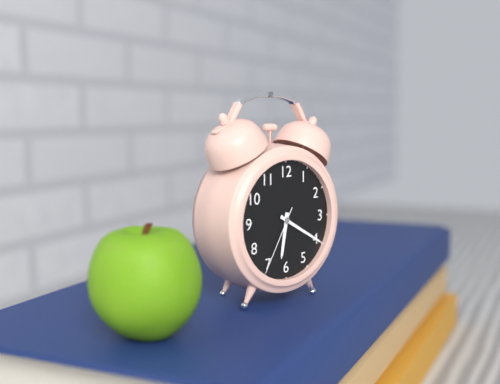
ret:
6.20.35
